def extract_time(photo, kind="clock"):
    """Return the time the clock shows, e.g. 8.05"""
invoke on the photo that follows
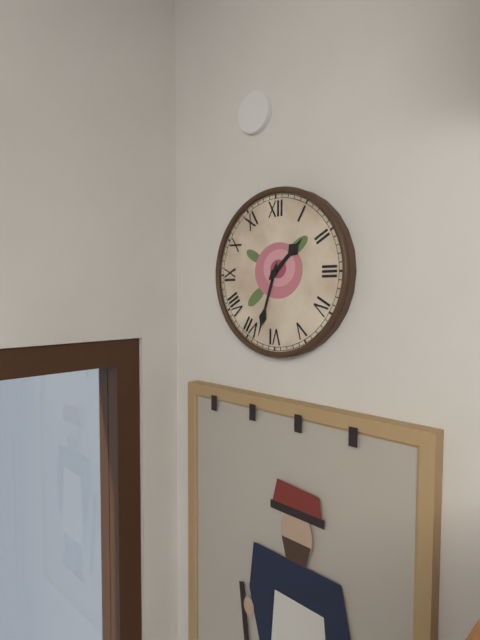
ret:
1.33
